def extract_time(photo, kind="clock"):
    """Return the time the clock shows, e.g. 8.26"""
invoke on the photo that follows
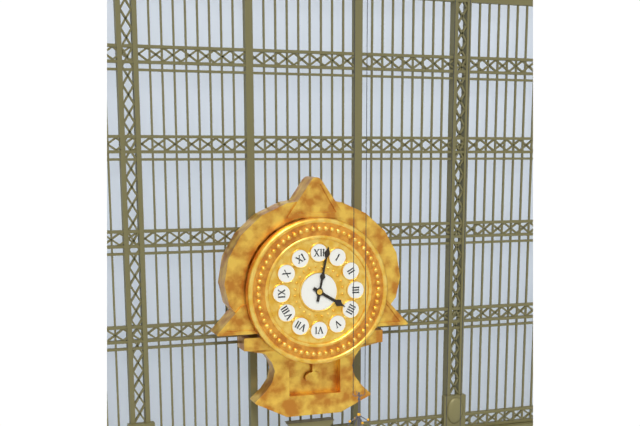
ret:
4.02
